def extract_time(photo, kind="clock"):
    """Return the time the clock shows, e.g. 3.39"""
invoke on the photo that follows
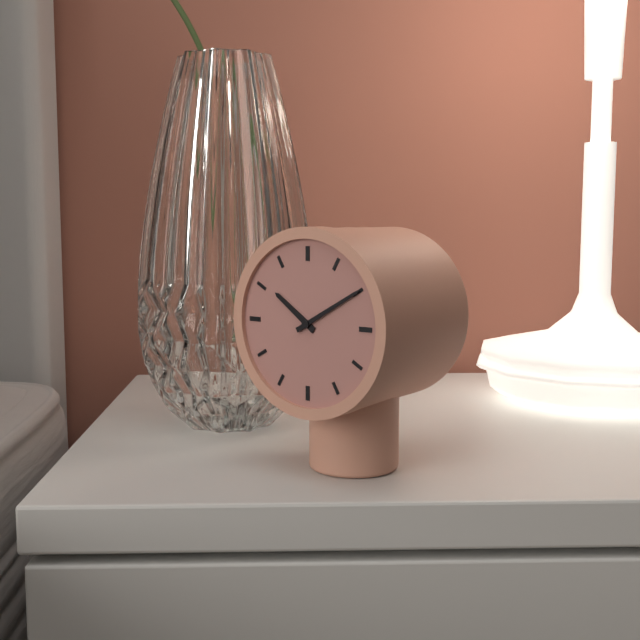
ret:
10.10
